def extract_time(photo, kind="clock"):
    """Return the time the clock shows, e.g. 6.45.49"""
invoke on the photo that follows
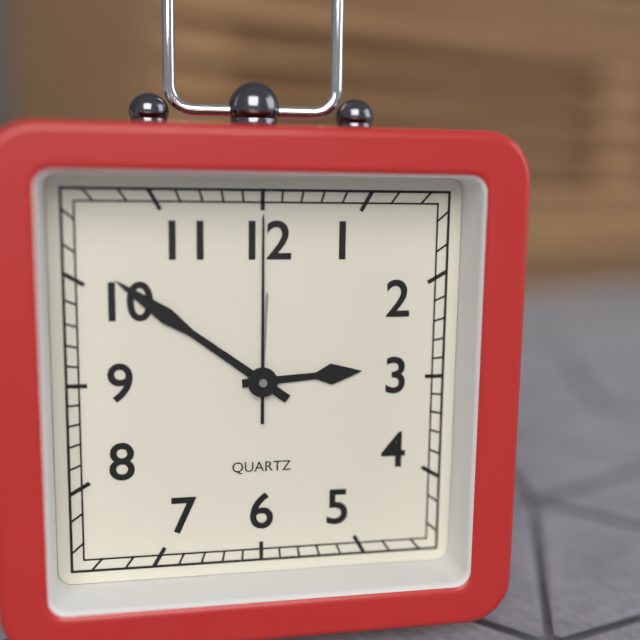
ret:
2.51.00
